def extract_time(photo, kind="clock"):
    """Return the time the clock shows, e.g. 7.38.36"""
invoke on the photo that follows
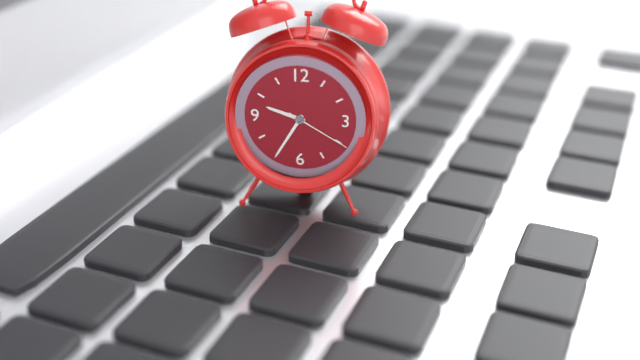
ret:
9.35.20
